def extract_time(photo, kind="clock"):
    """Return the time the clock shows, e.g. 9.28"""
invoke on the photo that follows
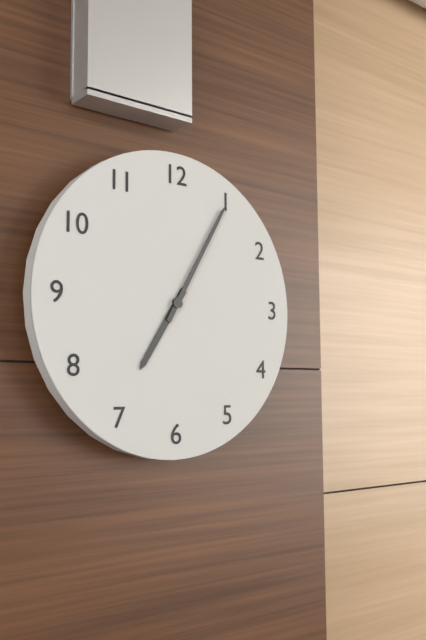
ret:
7.05
